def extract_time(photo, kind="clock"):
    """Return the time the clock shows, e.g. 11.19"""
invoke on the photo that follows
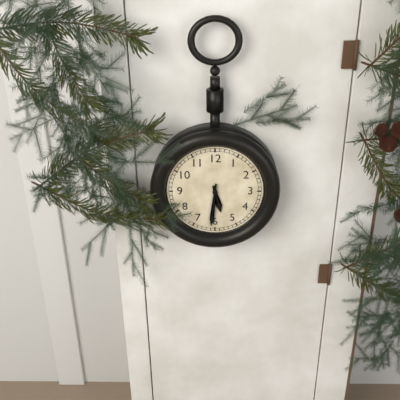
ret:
5.31
